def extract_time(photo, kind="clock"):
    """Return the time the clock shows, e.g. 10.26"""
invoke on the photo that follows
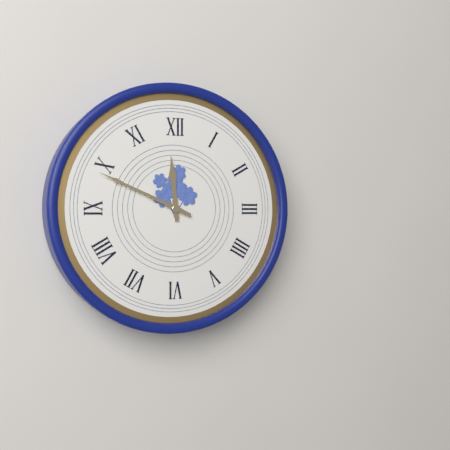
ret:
11.49
